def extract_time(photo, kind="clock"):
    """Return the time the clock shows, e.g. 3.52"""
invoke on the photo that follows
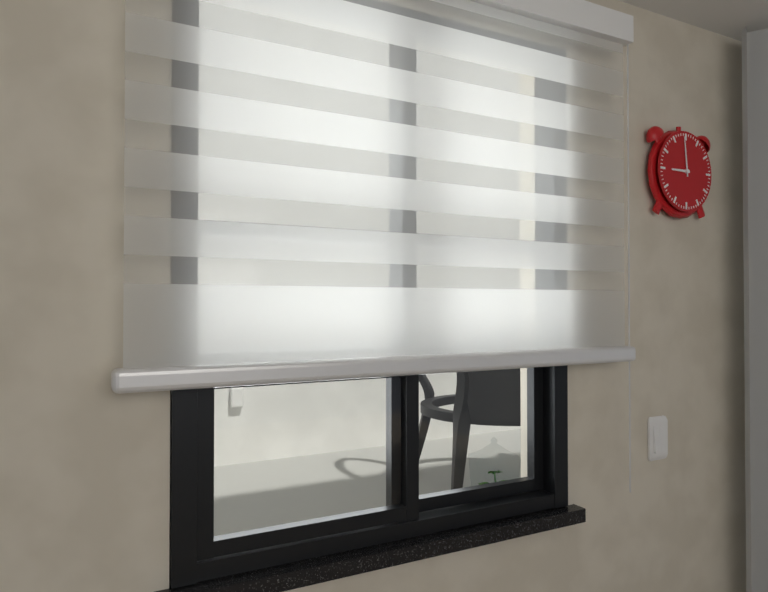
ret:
8.59
